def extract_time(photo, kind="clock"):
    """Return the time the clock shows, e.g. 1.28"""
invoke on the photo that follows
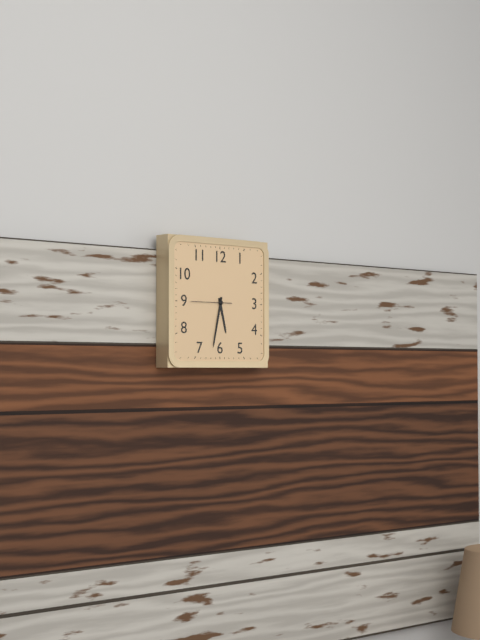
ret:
5.32
